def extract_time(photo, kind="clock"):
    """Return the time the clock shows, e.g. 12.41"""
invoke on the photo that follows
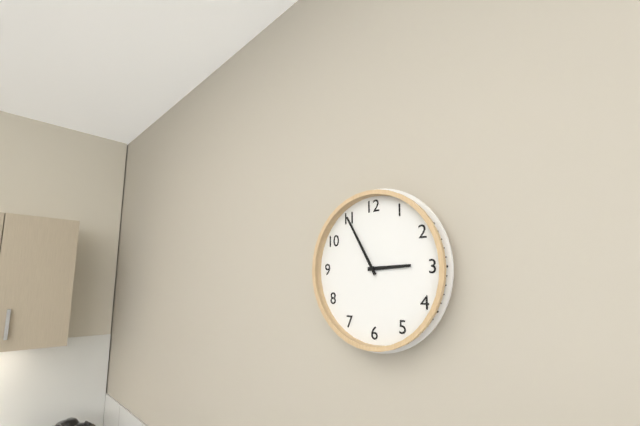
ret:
2.55
